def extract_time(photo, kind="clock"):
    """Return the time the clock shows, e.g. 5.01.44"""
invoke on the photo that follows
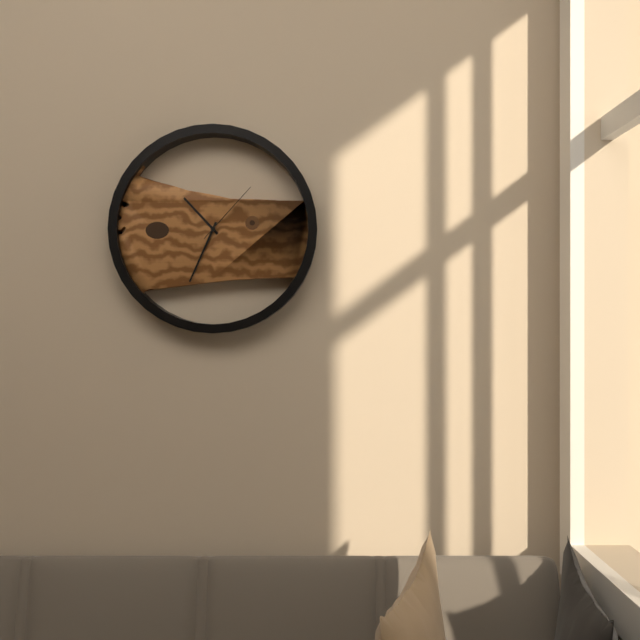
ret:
10.34.07
